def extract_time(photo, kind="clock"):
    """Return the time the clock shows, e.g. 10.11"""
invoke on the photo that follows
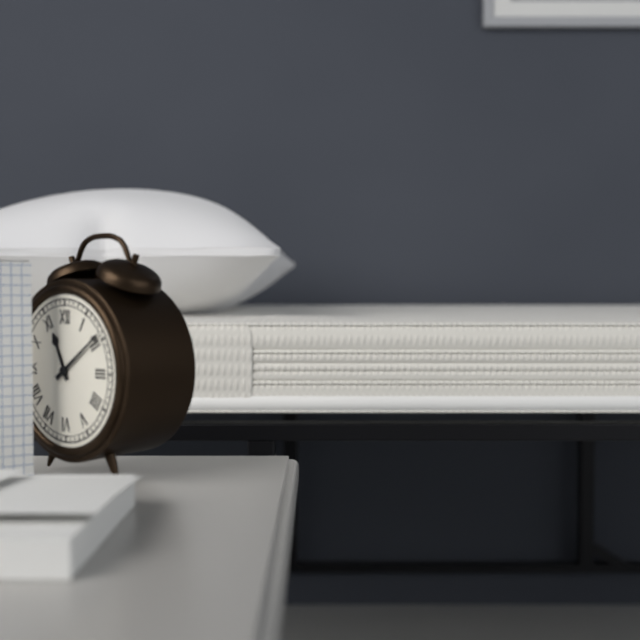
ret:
11.09
